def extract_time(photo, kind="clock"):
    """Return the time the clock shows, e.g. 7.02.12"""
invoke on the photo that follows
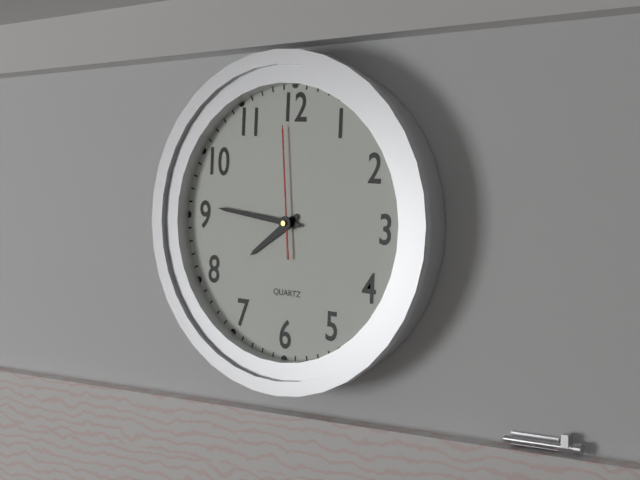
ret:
7.46.59
